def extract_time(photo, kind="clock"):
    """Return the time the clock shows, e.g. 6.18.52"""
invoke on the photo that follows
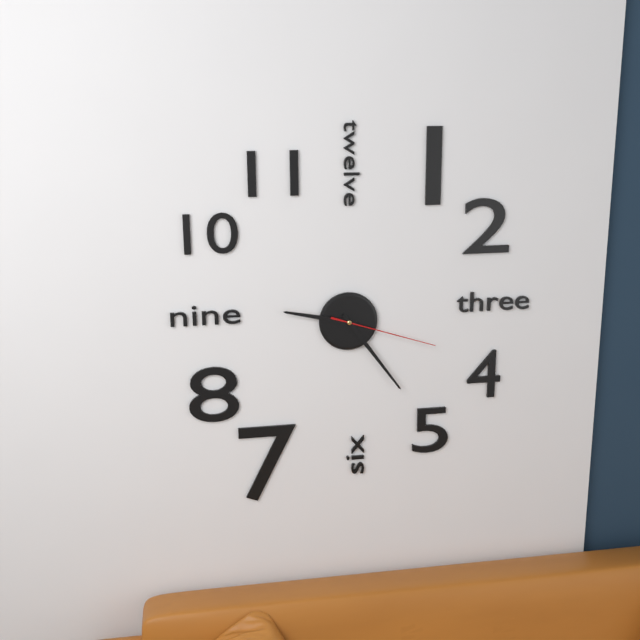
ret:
9.24.18
